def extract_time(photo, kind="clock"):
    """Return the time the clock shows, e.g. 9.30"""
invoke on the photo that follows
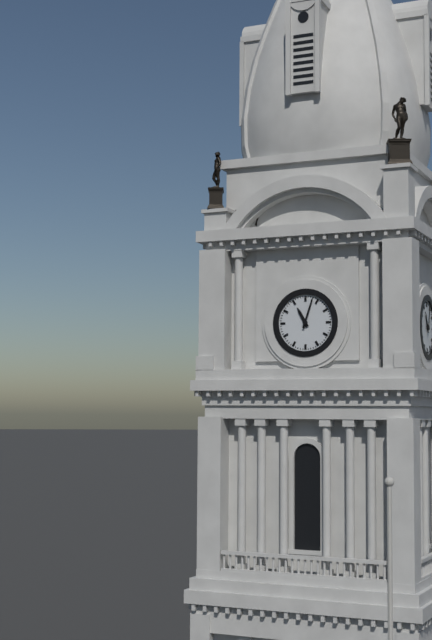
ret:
11.03
